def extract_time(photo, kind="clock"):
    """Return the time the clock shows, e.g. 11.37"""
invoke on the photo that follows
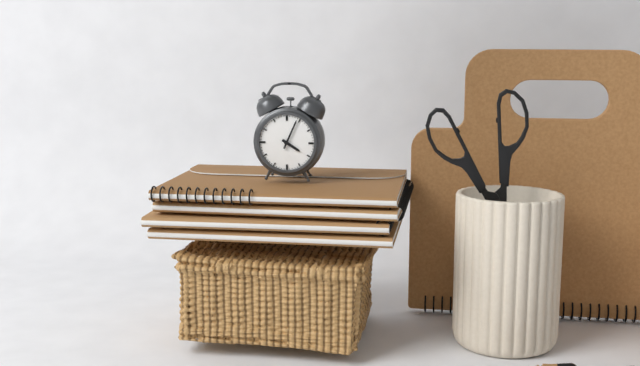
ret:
4.04
